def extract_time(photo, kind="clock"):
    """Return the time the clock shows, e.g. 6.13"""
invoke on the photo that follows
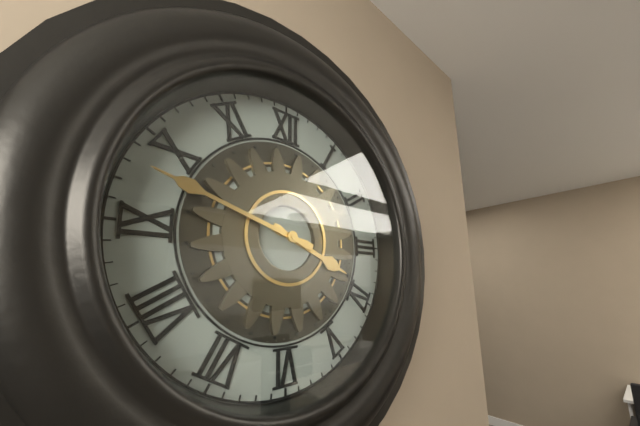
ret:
3.48
